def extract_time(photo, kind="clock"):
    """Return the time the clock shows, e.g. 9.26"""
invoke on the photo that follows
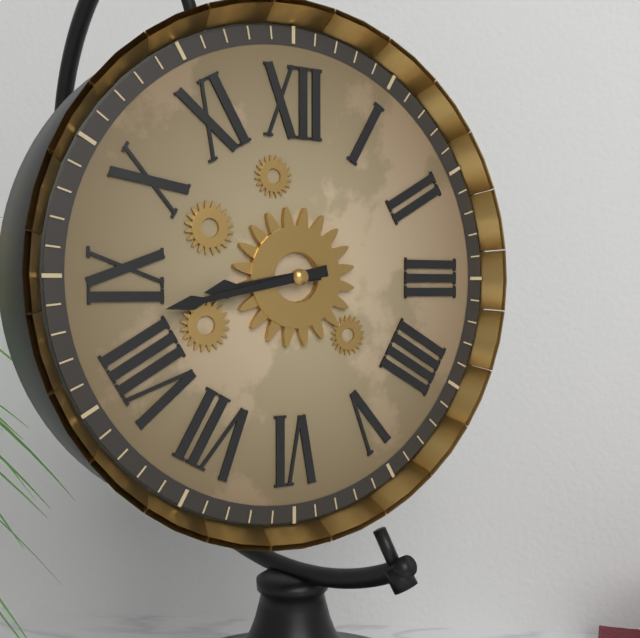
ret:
8.43
